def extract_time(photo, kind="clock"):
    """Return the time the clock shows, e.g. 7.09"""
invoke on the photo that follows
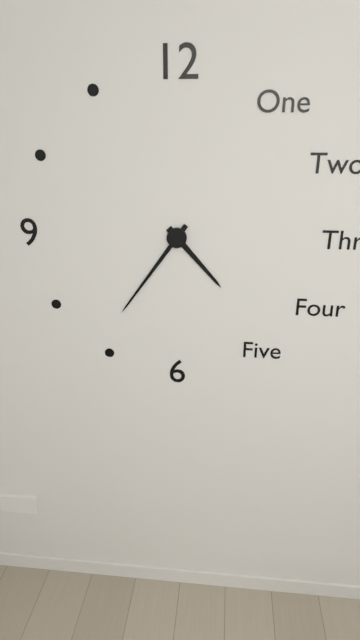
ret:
4.36
